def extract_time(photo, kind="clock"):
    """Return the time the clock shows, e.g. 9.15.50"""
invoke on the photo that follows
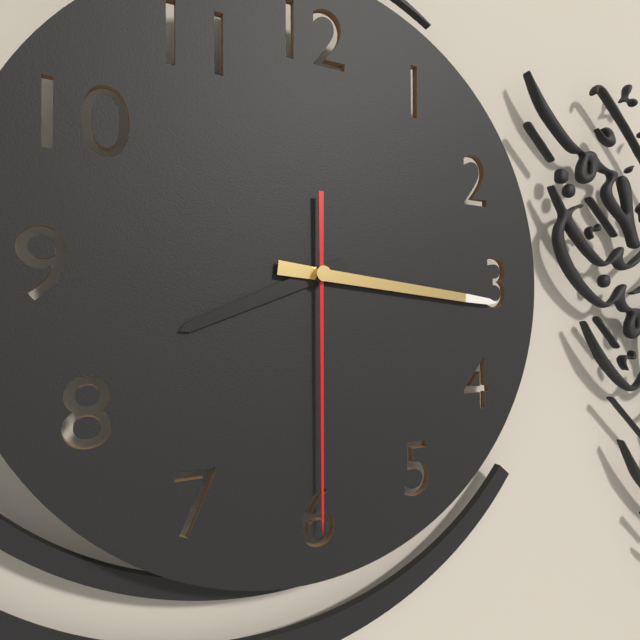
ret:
8.16.30
